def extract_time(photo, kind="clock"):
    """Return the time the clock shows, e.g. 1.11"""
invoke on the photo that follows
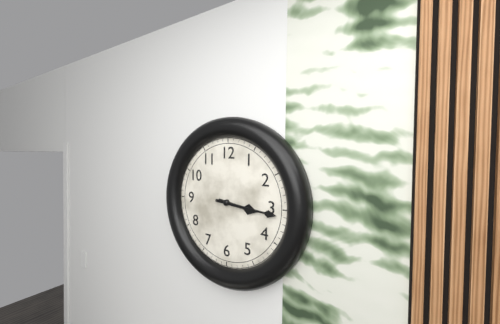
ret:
3.16
